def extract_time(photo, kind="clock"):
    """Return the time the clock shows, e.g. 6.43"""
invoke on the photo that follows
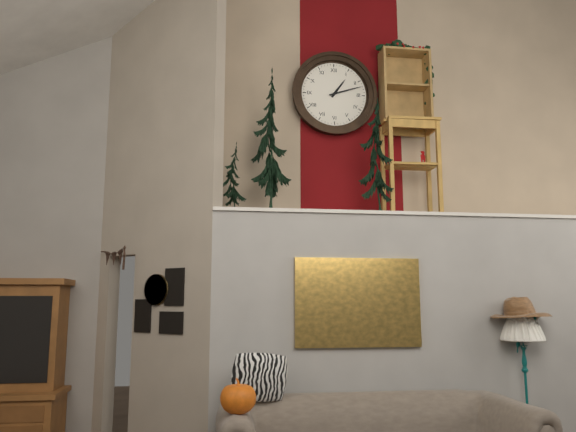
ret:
1.12
